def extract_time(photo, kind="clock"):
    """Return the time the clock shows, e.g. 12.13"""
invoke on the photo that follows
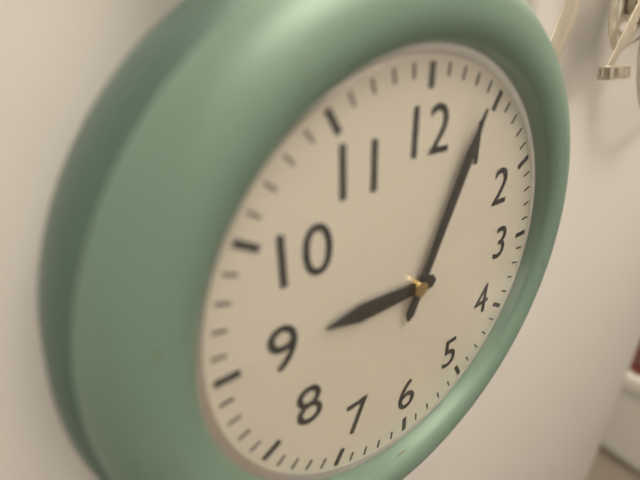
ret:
9.04
